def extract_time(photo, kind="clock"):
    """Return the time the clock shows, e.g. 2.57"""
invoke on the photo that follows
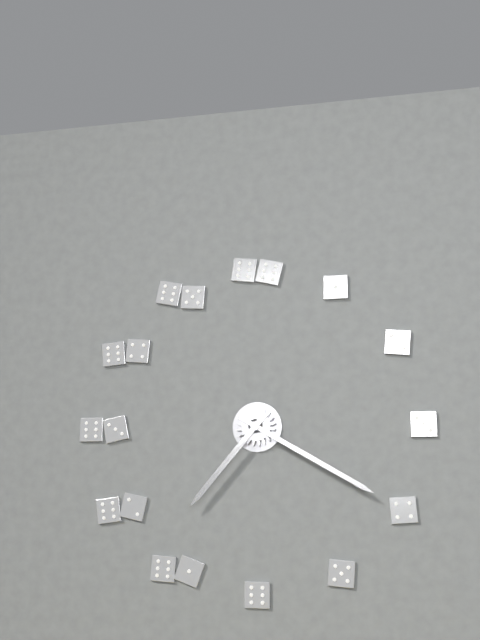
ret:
7.20
